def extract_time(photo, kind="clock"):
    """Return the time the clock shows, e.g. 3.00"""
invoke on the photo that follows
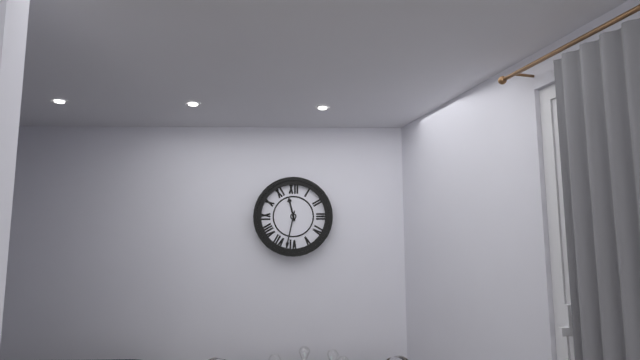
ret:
11.32
